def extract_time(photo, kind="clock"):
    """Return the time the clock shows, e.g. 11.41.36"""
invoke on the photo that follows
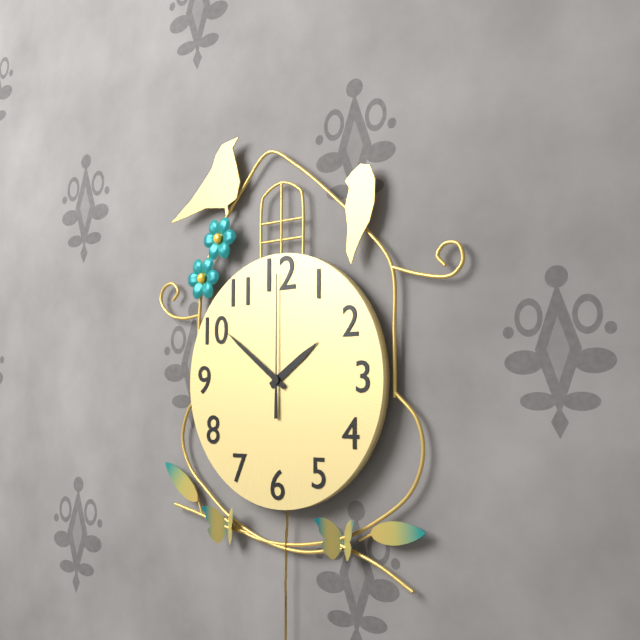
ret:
1.51.00
